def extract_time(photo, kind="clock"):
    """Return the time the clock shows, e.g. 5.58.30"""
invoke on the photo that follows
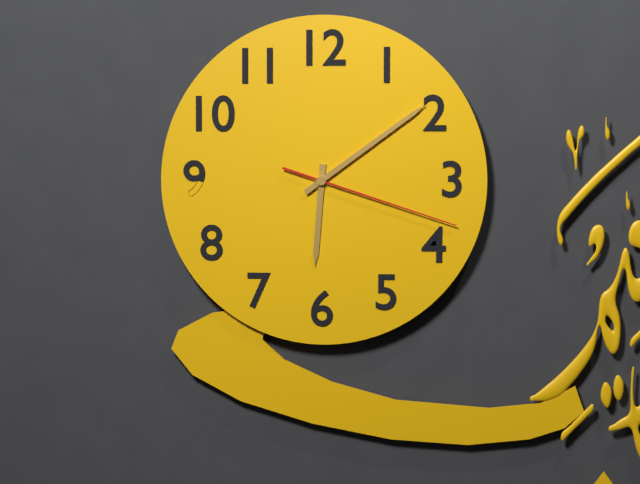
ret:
6.09.18
